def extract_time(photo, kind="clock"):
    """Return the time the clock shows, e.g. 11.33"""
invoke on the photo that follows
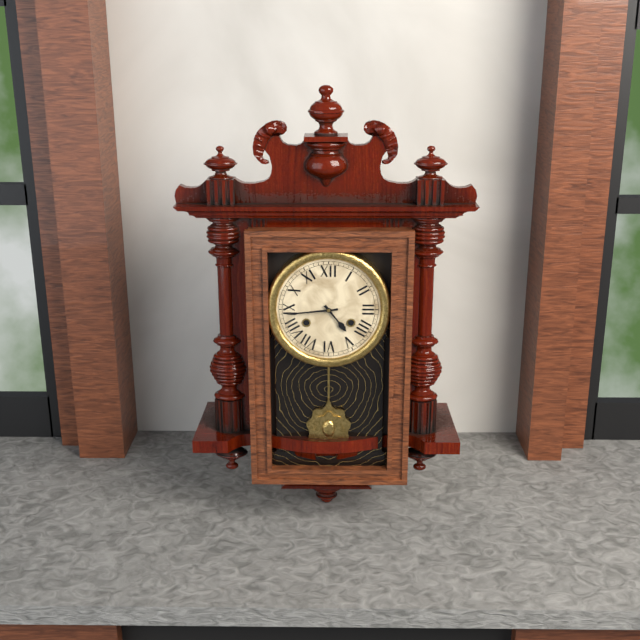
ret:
4.44
